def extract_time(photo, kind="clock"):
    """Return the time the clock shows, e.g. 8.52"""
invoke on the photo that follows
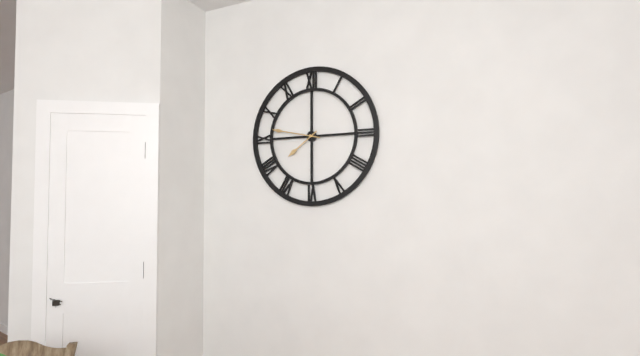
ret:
7.47
